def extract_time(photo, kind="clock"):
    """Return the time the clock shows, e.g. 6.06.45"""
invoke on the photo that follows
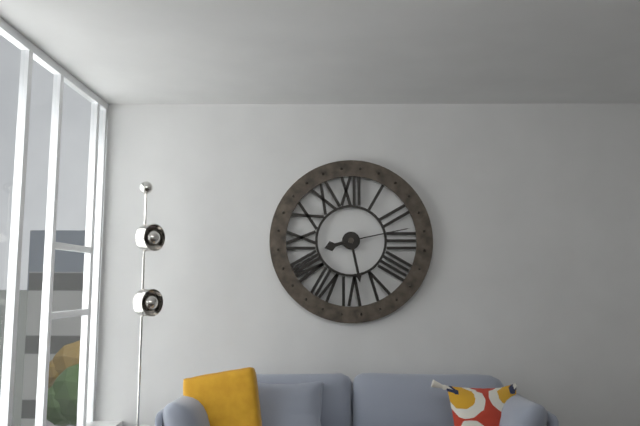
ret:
8.28.13
